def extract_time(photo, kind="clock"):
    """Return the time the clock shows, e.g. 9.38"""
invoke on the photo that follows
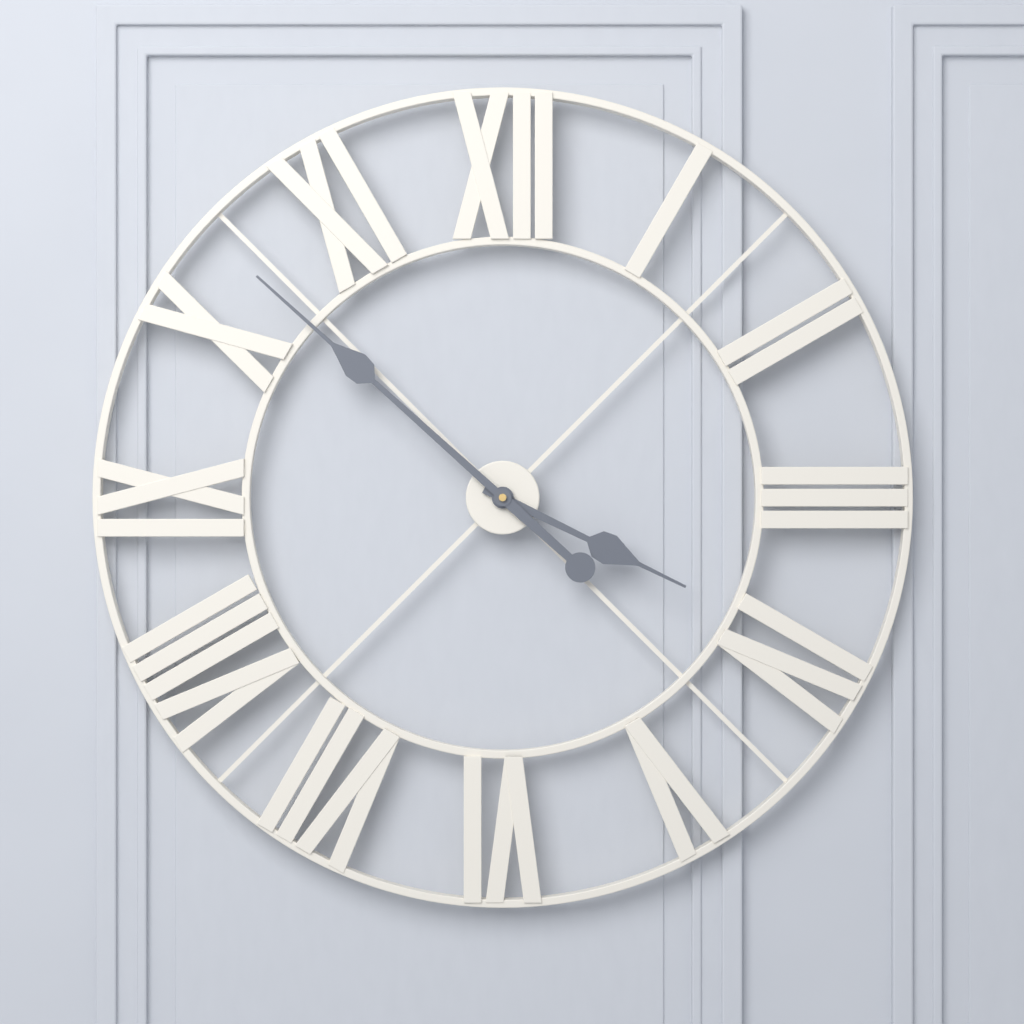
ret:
3.52
